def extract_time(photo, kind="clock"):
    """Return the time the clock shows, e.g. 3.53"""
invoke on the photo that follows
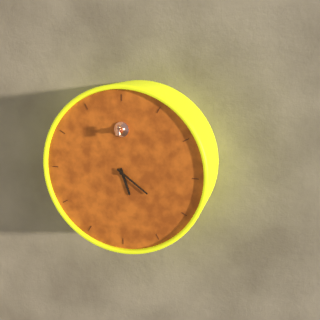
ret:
5.21
